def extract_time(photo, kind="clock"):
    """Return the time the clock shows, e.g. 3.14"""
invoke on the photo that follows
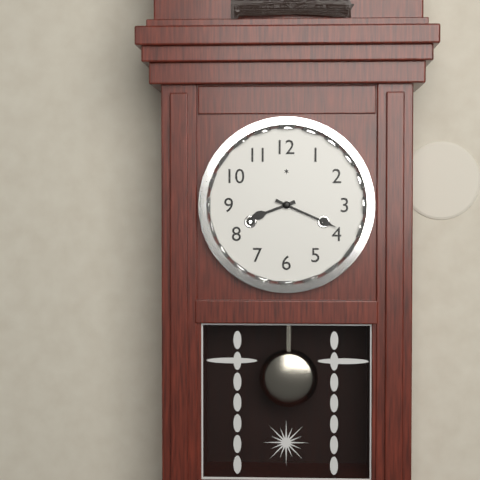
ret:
8.19
